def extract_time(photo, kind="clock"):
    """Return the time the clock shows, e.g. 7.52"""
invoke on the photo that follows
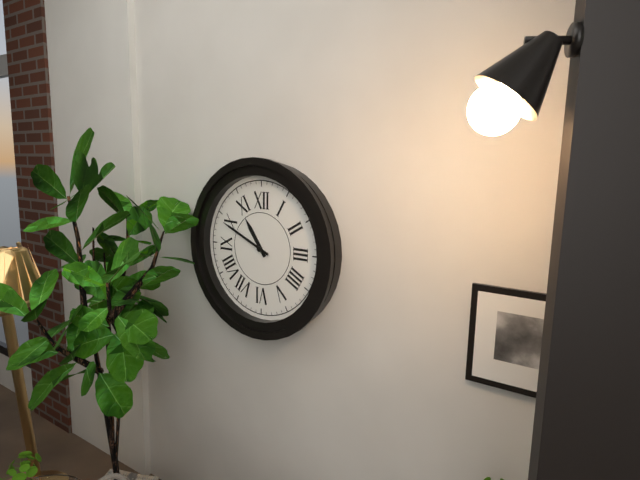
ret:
10.49
